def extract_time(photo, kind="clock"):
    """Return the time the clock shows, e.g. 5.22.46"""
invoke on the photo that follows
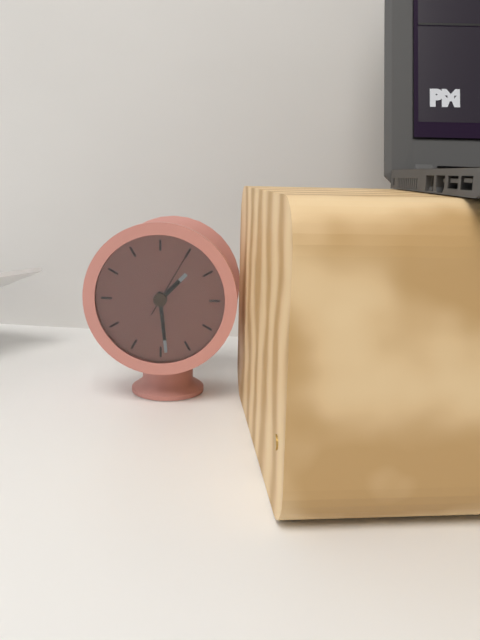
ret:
1.29.05
